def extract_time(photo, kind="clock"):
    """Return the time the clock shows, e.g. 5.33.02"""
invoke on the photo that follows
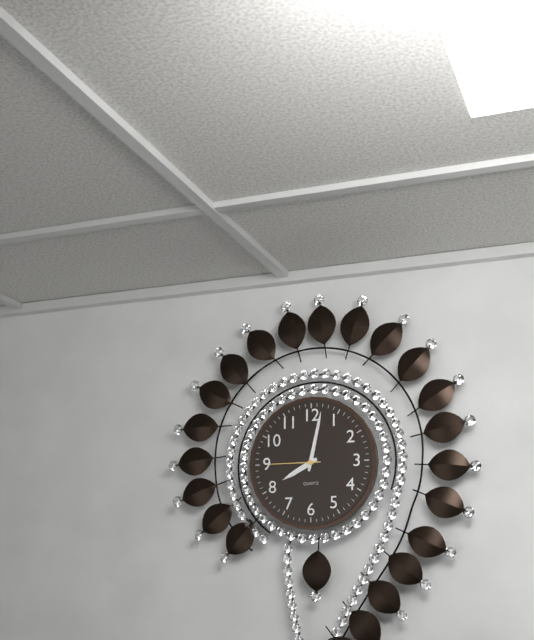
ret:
8.02.45
